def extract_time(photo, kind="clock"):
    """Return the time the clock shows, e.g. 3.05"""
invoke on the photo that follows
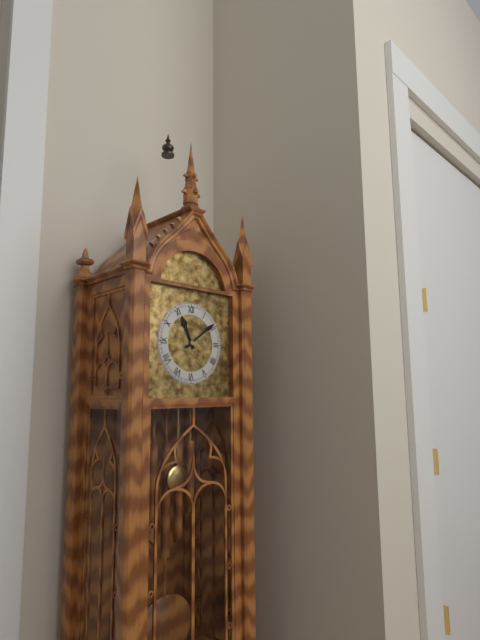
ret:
11.09
